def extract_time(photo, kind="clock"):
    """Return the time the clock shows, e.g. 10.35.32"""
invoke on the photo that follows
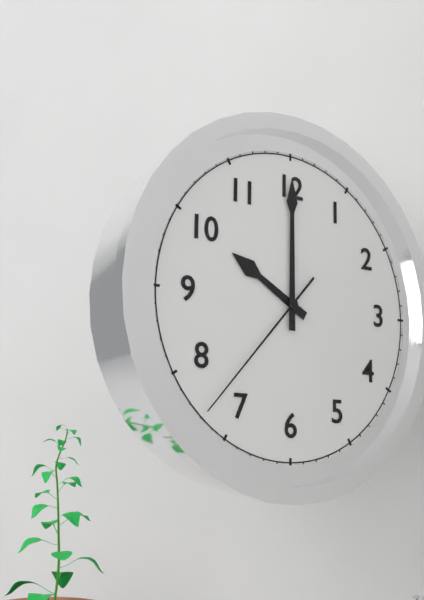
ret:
10.00.37
